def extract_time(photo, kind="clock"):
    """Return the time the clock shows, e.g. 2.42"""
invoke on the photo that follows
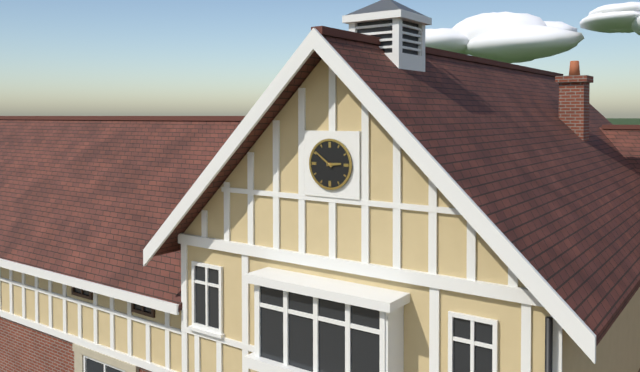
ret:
2.51
